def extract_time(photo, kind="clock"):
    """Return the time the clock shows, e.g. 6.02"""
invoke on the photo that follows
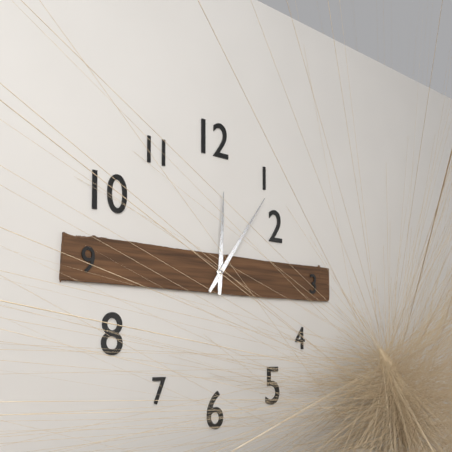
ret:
12.06
